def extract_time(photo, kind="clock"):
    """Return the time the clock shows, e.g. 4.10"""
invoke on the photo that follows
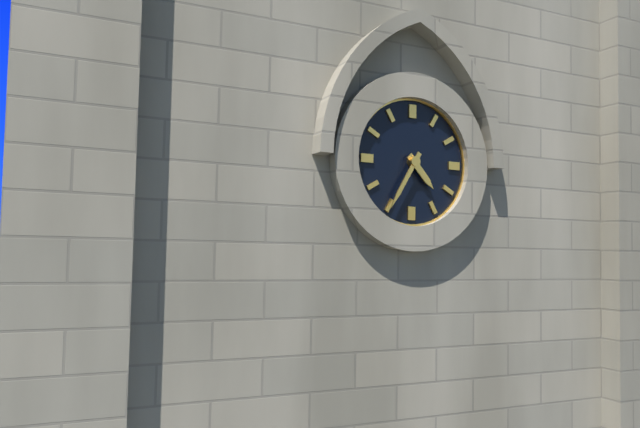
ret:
4.35
